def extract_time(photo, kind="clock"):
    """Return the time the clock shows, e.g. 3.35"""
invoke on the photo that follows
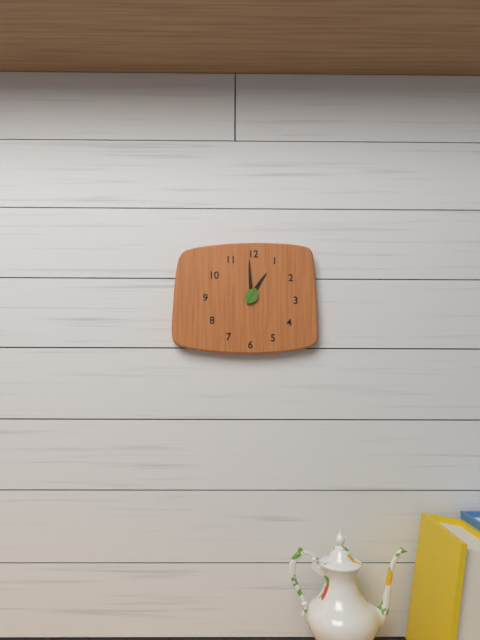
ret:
12.59
